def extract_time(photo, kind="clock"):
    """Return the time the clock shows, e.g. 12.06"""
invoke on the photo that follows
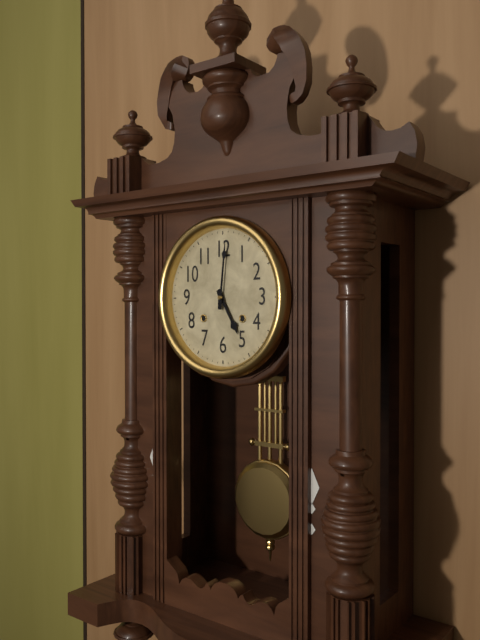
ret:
5.01
